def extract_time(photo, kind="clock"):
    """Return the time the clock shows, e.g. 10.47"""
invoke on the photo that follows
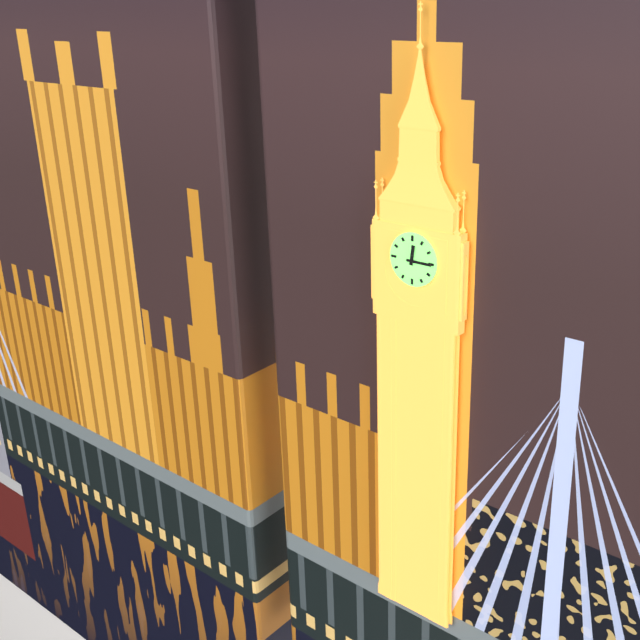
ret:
12.15
